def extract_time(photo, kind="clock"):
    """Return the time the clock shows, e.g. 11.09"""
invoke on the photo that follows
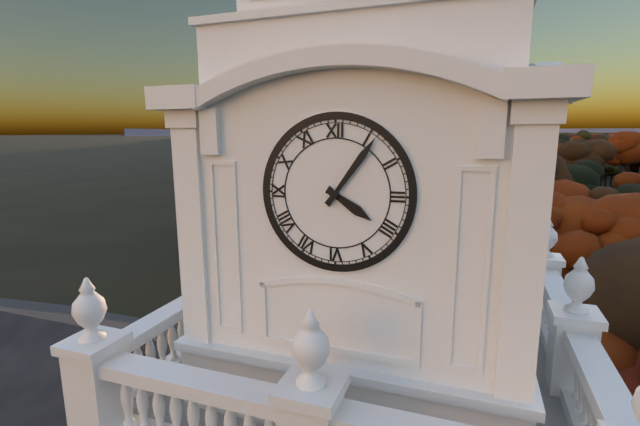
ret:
4.06
